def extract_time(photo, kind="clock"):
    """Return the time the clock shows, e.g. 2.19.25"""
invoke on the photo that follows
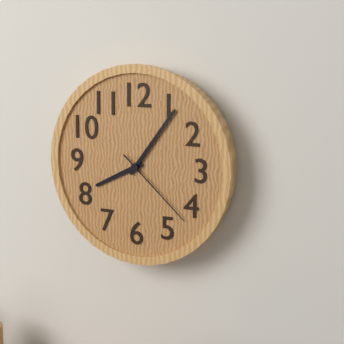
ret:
8.06.22
